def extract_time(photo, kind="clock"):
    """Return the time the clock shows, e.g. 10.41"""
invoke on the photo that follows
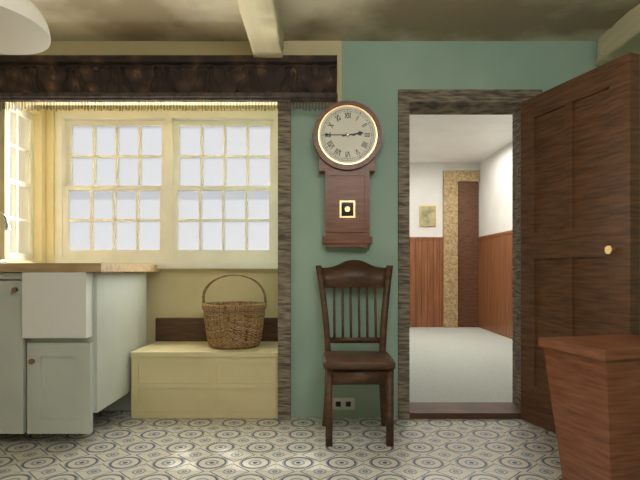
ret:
2.45
